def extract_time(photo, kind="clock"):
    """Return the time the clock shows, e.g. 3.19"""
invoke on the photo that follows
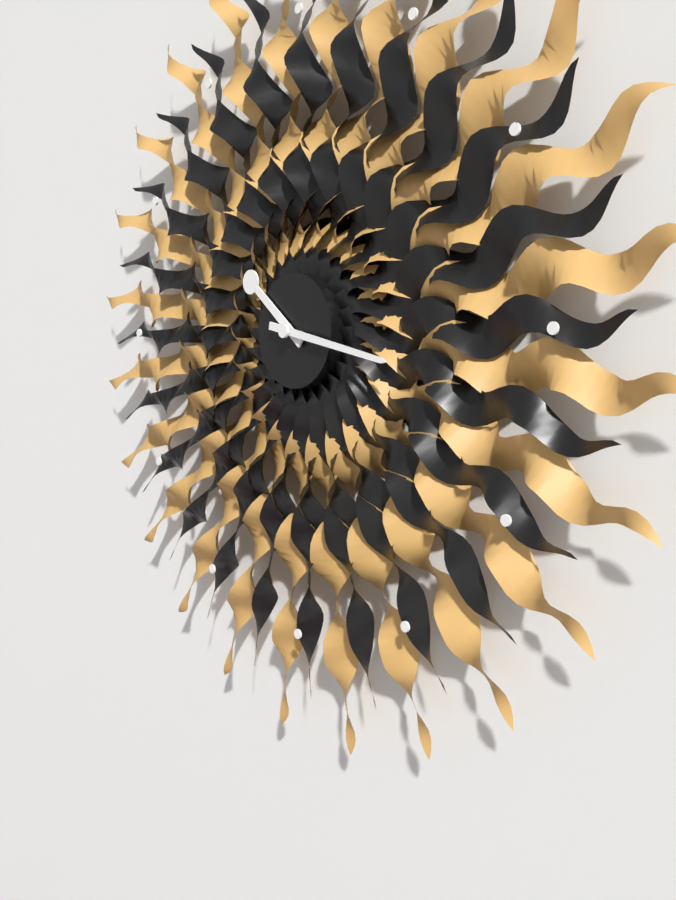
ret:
10.17
